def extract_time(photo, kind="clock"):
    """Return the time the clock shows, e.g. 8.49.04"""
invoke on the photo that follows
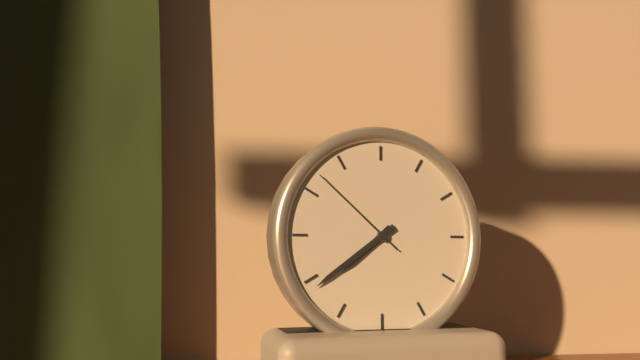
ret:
7.39.52
